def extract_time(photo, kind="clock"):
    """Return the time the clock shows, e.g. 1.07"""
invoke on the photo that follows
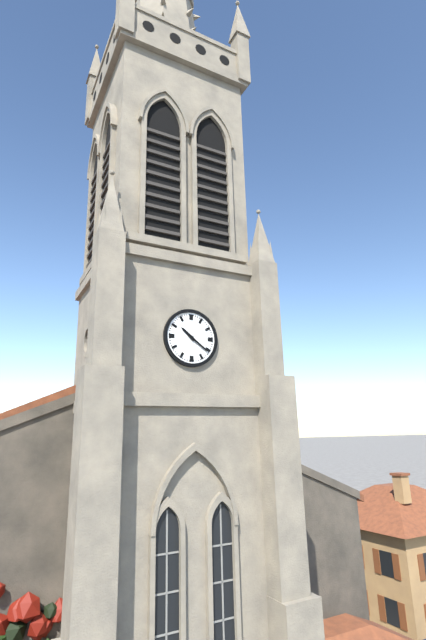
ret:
10.21
